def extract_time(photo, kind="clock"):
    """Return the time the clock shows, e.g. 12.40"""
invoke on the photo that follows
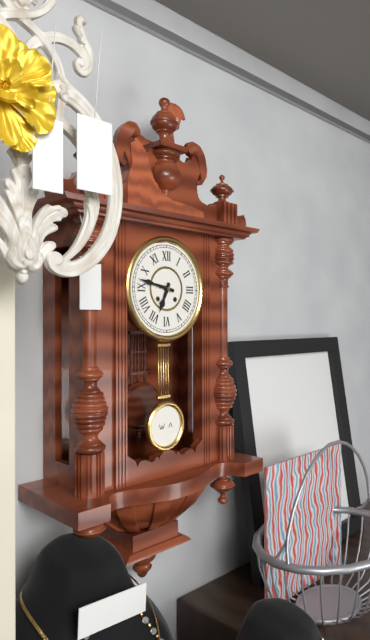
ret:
6.47
